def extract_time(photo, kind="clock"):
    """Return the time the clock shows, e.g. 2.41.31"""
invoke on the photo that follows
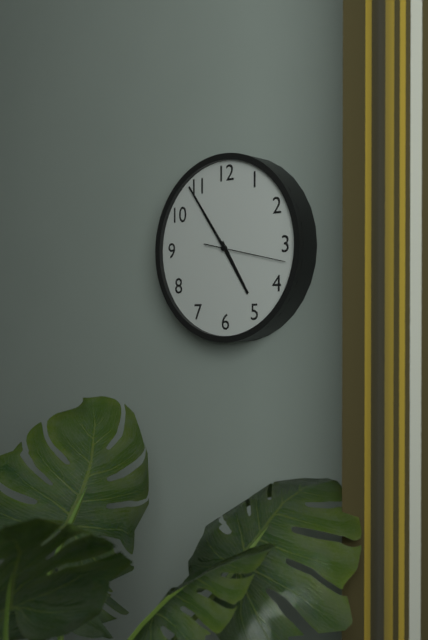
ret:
4.54.17
